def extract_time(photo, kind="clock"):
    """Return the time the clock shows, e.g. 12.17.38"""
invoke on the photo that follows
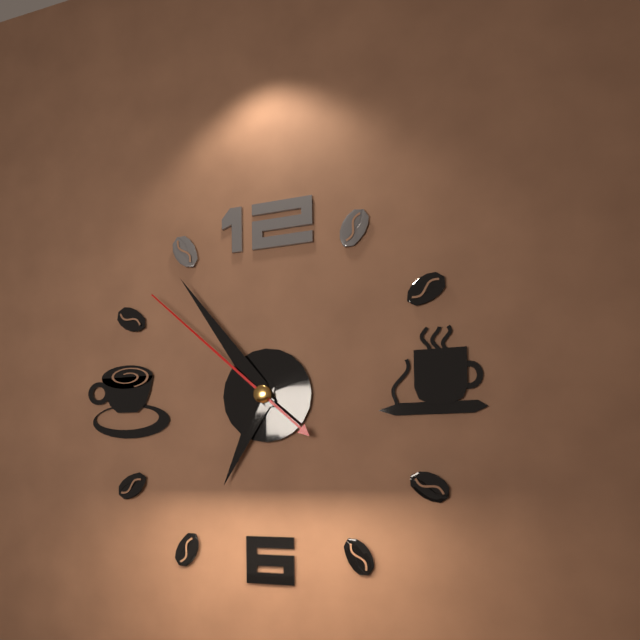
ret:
6.54.52
